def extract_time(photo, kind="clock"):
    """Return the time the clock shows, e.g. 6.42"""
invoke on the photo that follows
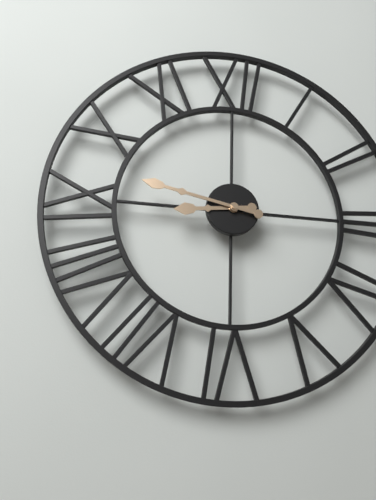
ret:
8.47
